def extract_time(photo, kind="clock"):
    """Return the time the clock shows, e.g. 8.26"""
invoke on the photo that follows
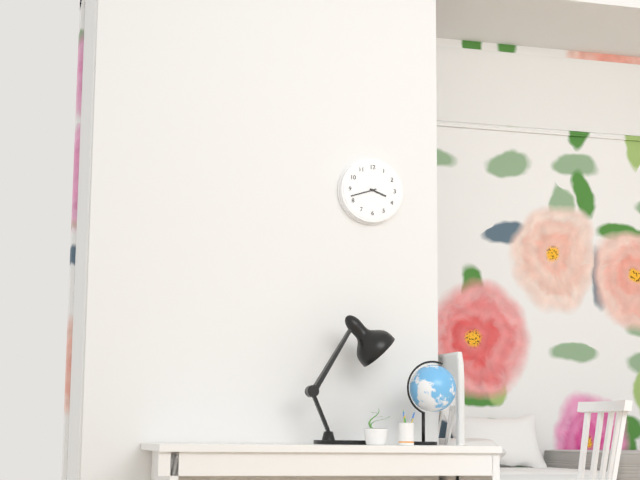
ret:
3.42
